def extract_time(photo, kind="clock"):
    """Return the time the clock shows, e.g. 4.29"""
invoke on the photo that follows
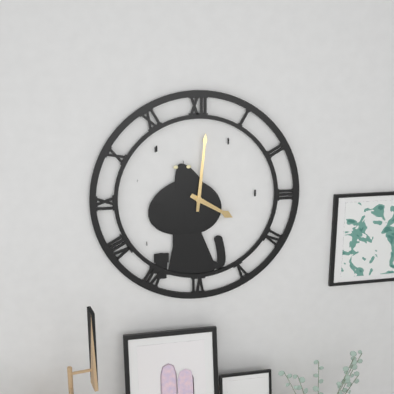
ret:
4.01
